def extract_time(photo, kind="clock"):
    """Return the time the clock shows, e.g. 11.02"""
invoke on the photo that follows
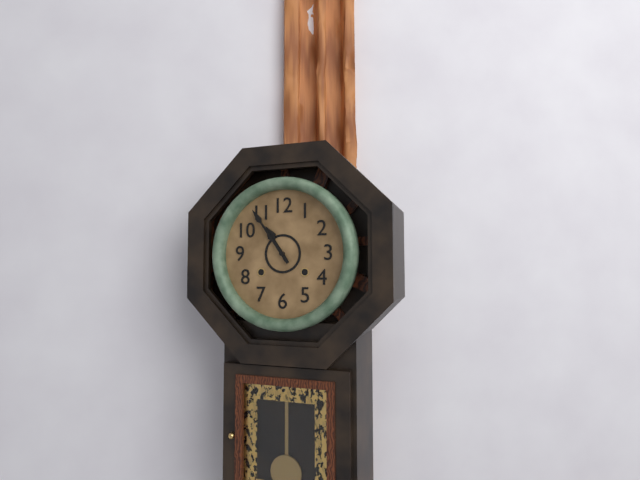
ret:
10.54
